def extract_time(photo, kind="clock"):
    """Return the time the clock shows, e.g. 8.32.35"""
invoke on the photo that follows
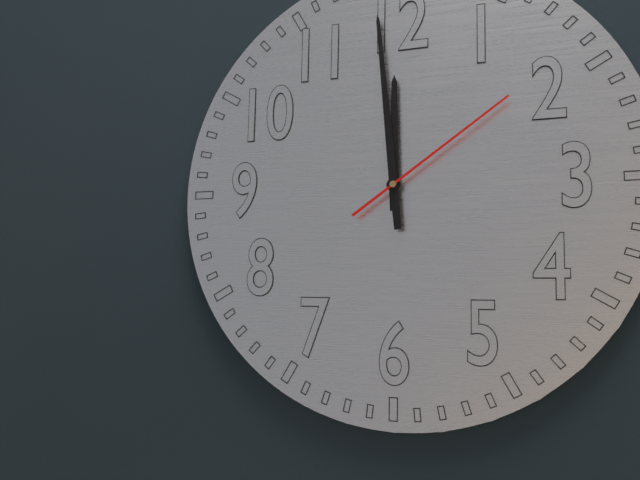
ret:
11.59.09
